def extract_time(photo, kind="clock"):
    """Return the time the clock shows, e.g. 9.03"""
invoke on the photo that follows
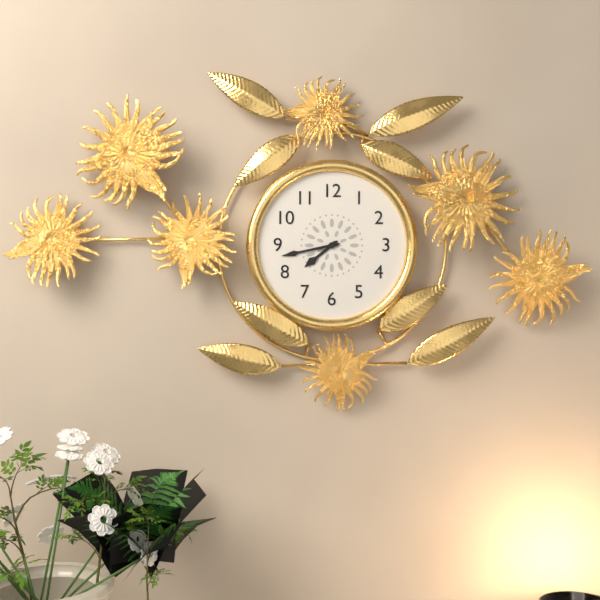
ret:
7.43
